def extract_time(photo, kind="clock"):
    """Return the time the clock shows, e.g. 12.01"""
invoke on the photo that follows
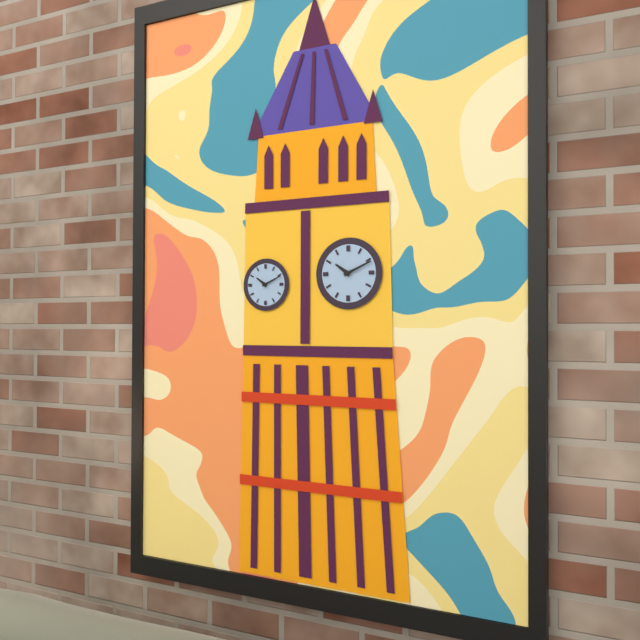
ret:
10.11
